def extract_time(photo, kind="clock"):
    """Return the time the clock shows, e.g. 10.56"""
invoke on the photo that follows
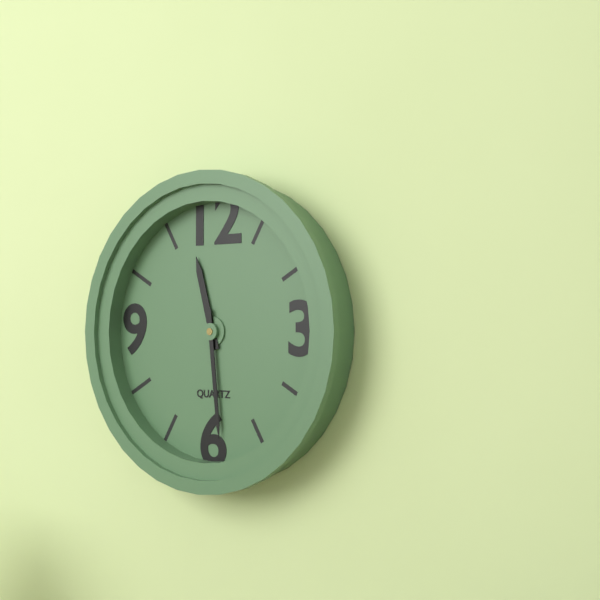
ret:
11.29
